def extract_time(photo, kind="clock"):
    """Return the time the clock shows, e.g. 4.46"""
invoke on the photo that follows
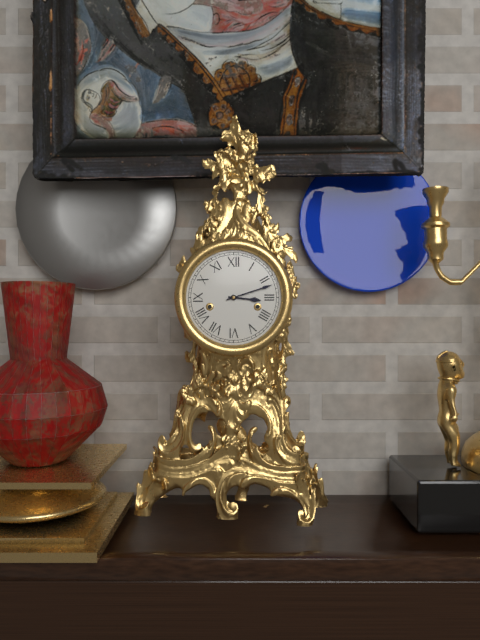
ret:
3.12
